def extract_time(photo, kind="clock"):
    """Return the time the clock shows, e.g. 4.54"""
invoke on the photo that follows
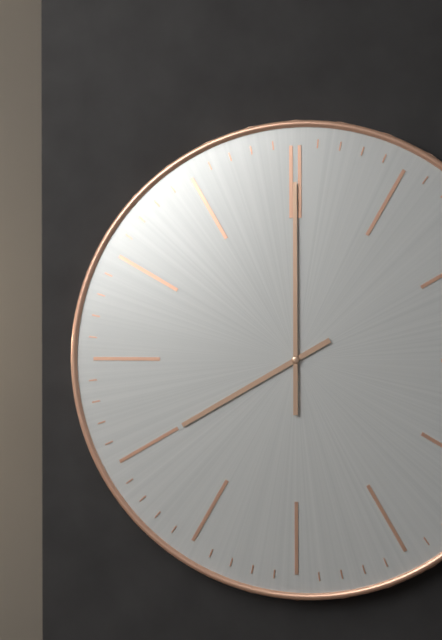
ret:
8.00
